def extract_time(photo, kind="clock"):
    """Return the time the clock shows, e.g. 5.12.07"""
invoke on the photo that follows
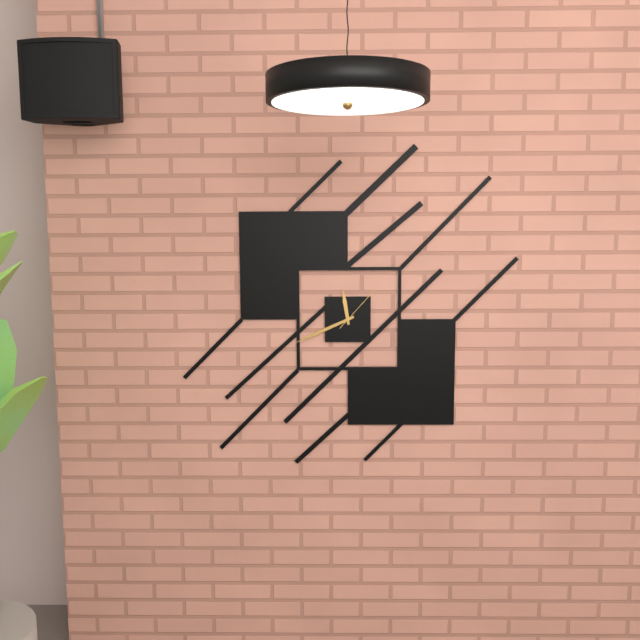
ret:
11.41.07
